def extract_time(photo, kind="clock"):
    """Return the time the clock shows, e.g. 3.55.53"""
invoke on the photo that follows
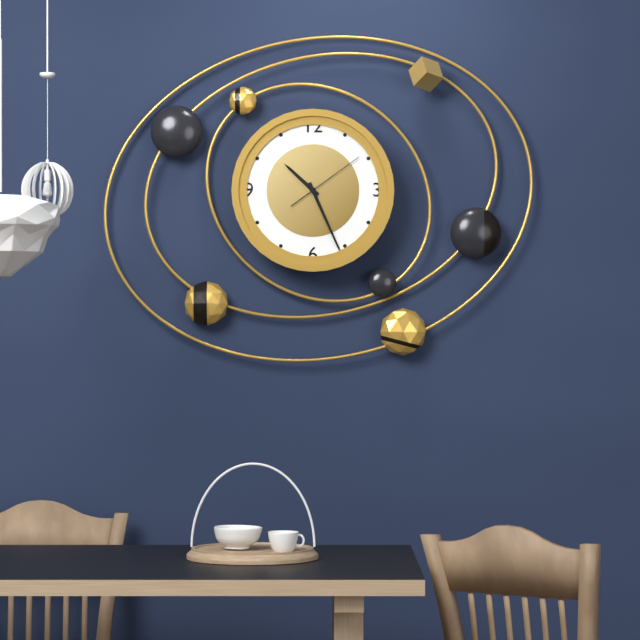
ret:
10.26.09
